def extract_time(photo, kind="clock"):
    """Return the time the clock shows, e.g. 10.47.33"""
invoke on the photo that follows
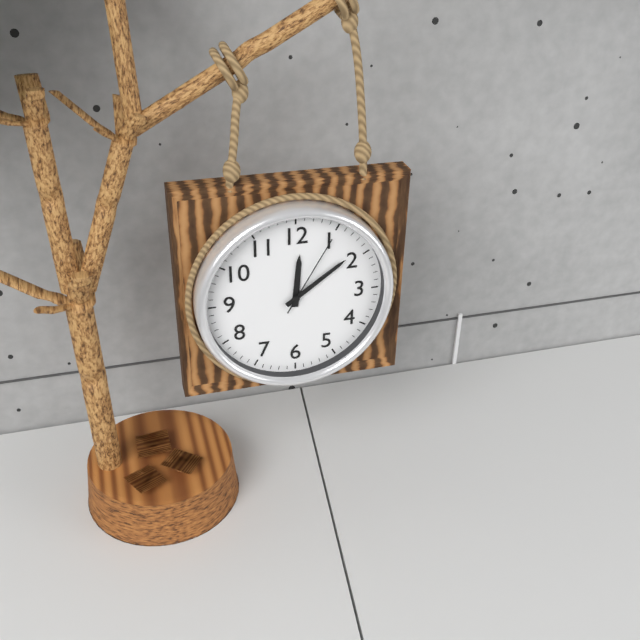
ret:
12.09.05
